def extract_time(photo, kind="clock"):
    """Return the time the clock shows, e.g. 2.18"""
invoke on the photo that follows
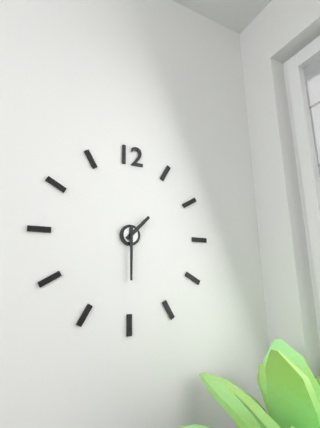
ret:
1.30
